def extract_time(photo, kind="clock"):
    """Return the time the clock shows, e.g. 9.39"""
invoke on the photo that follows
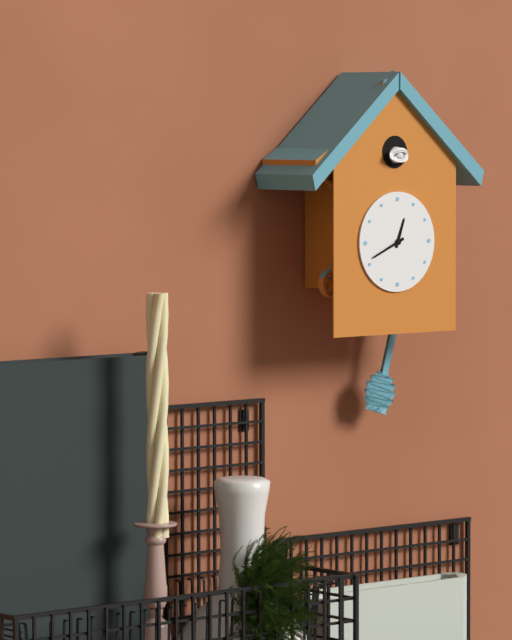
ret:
12.41
